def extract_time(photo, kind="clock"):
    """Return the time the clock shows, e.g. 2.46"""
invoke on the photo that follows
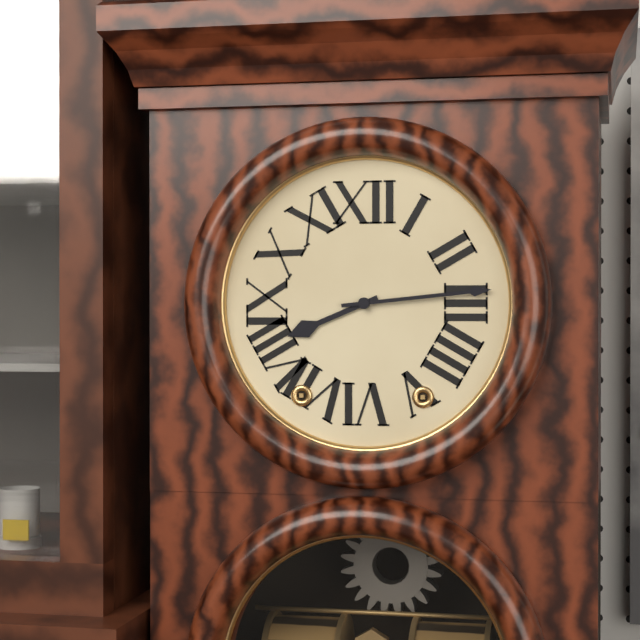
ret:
8.14
